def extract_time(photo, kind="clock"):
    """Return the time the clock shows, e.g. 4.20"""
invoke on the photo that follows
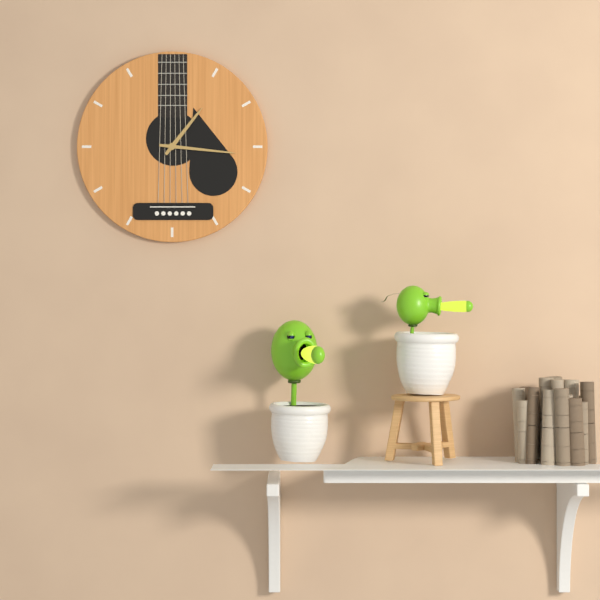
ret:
1.16
